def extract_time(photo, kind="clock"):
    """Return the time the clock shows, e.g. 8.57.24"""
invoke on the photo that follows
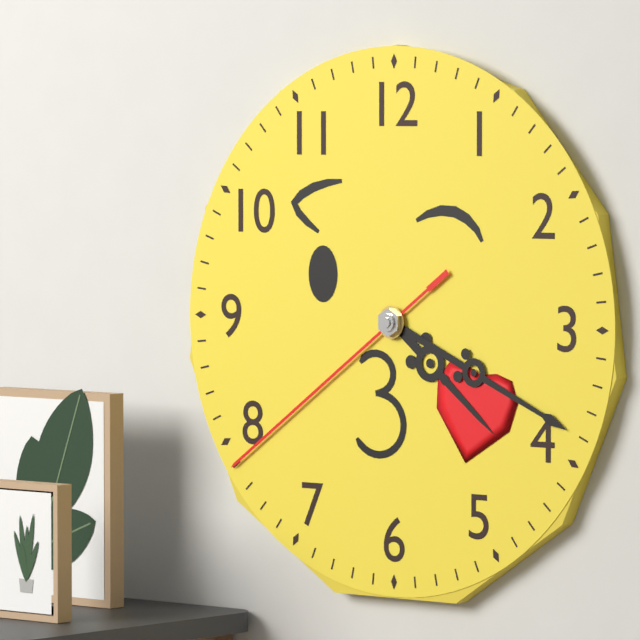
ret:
4.19.39
